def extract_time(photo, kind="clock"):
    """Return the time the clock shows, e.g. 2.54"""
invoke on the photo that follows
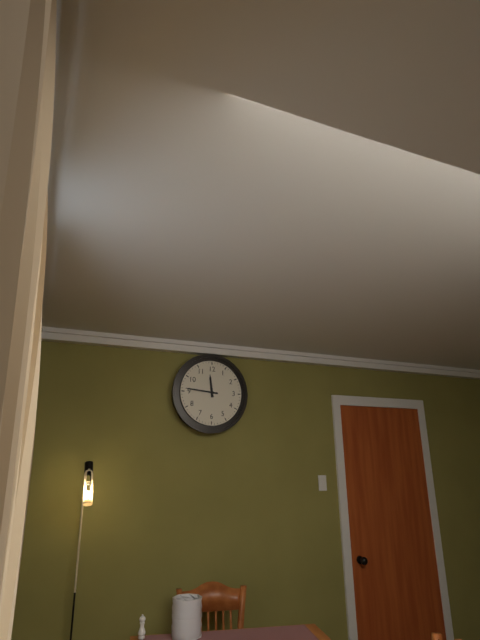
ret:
11.46
